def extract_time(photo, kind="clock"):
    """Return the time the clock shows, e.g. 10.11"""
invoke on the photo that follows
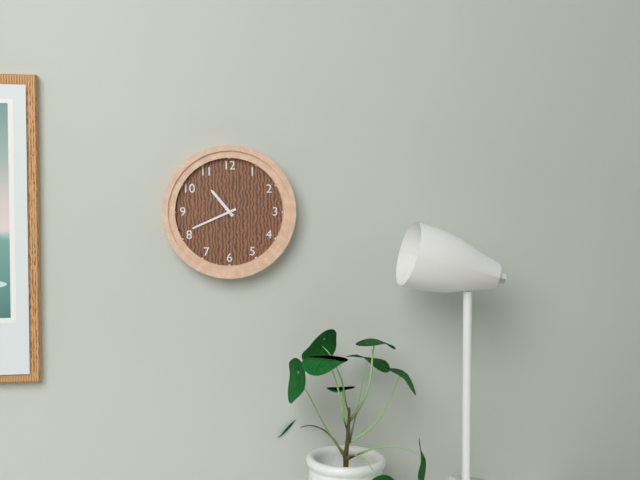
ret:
10.41
